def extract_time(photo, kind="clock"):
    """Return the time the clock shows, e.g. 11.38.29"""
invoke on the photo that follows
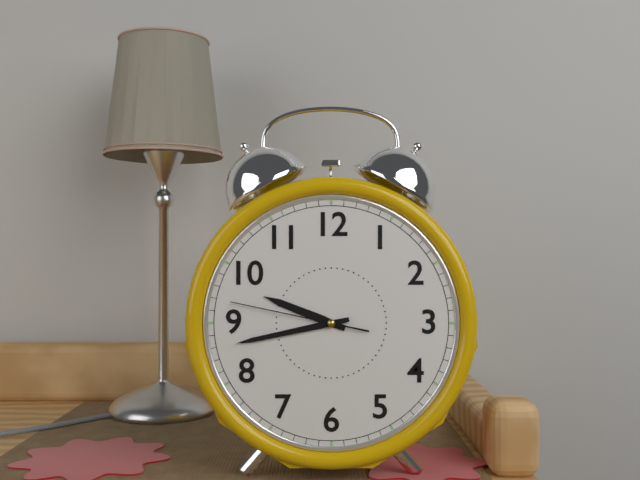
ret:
9.43.47
